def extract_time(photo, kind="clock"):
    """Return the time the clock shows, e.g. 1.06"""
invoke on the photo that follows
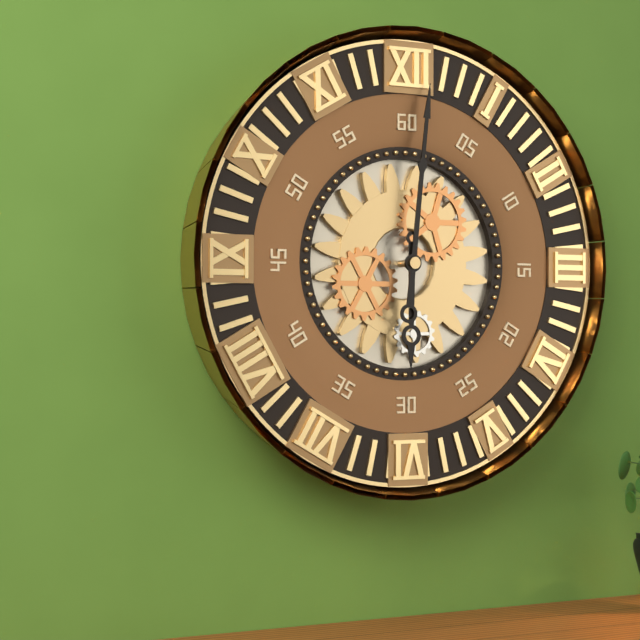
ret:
6.01
